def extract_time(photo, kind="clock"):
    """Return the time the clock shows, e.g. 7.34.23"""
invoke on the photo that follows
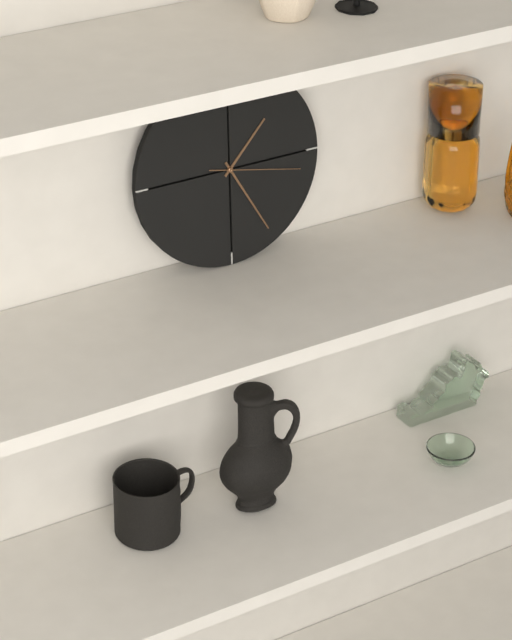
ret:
1.25.17
